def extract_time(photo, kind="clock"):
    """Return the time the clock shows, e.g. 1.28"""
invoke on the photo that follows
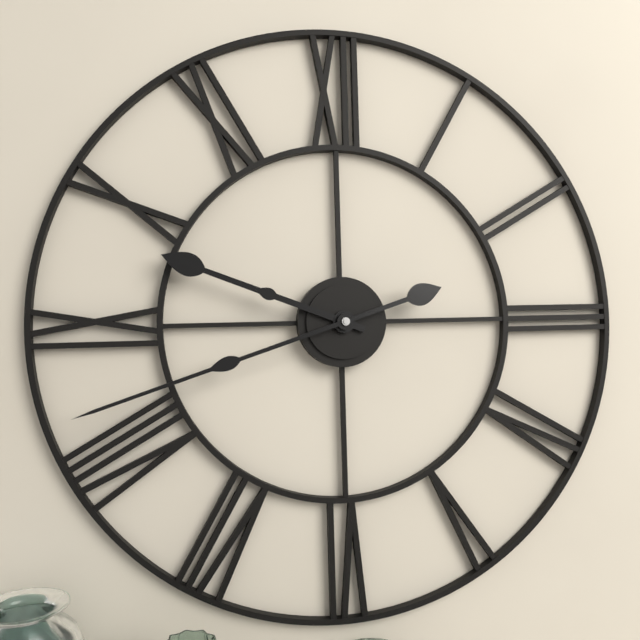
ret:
9.42
